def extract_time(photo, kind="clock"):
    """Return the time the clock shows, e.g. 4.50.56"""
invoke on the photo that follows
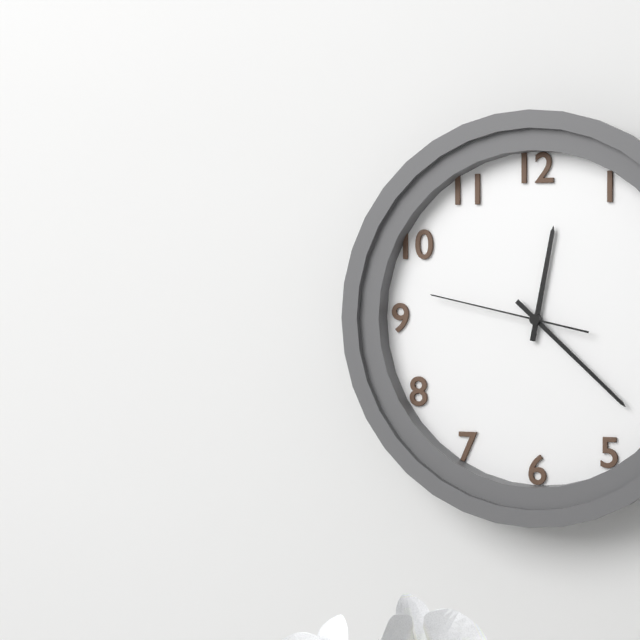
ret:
12.22.47
